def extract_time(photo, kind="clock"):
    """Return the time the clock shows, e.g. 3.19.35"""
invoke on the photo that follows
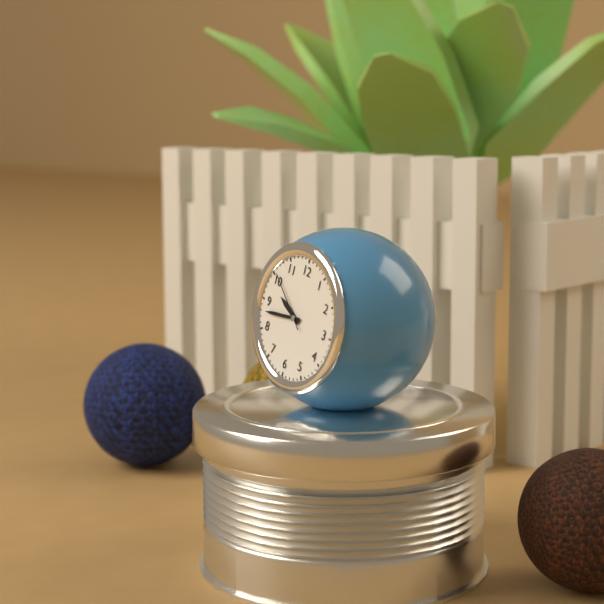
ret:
9.43.51
